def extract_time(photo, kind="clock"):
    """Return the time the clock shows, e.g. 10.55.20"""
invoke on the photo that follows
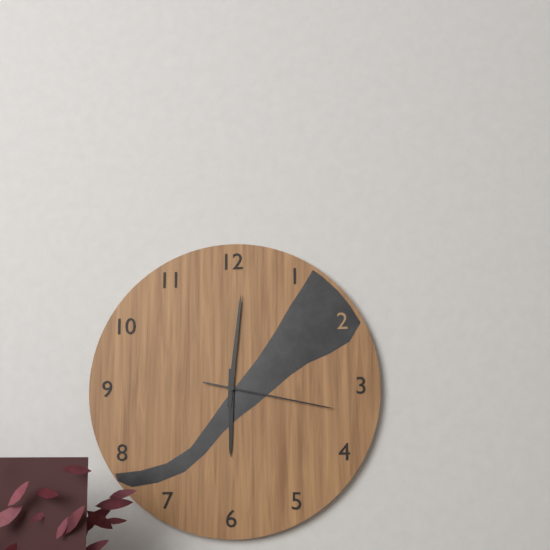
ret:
6.01.17
